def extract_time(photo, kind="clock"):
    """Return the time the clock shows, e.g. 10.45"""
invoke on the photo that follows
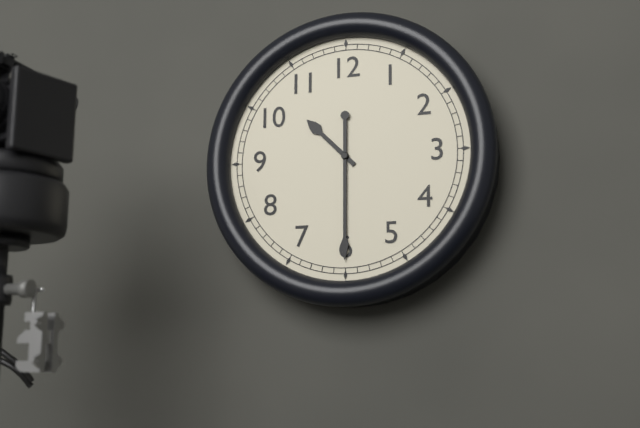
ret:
10.30
